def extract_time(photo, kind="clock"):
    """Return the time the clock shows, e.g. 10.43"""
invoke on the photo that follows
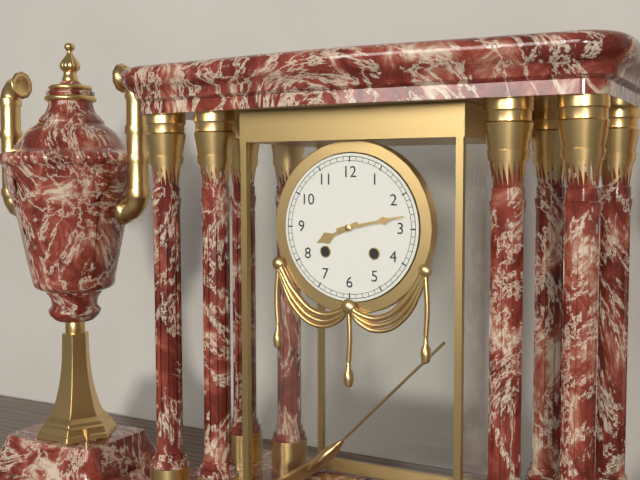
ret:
8.13
